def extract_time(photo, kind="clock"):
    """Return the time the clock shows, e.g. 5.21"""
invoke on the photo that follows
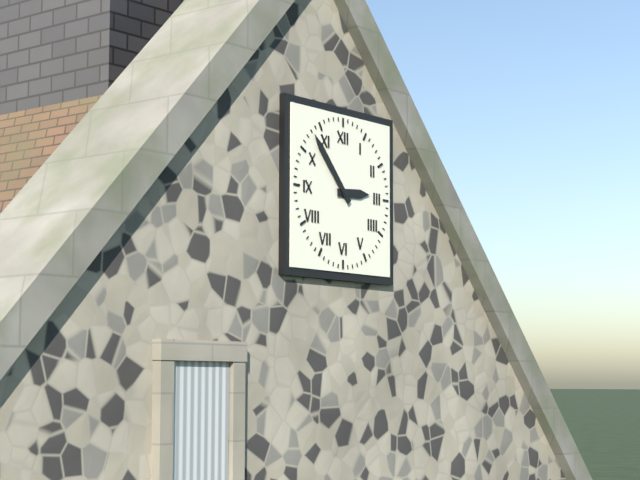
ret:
2.53
